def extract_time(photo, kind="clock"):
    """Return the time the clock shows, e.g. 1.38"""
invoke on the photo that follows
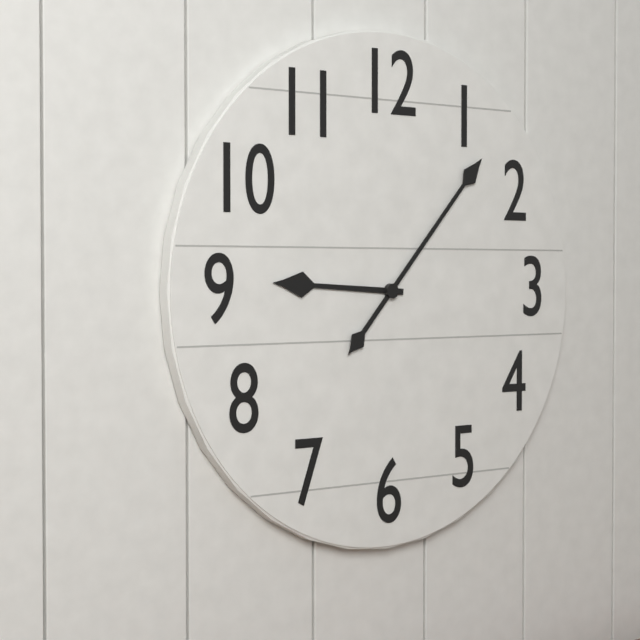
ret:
9.07
